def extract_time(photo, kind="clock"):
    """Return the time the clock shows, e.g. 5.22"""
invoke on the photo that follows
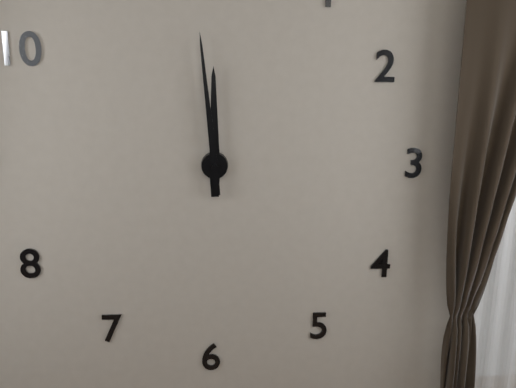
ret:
11.59
